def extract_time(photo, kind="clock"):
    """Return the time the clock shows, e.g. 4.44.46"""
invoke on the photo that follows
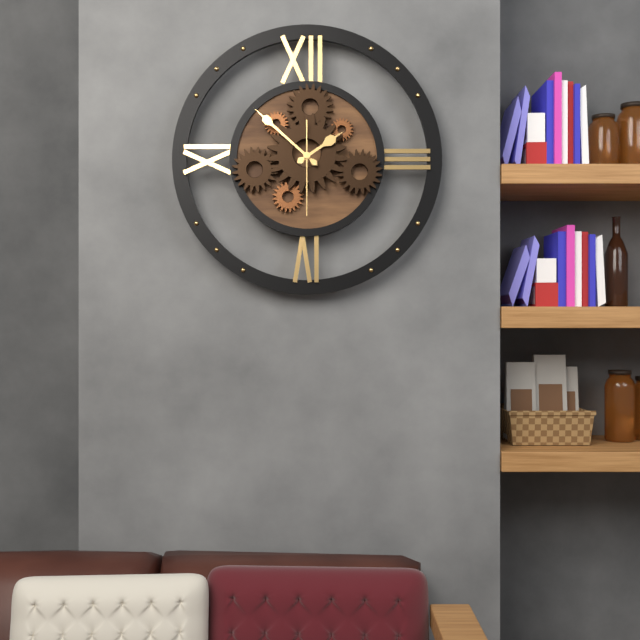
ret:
1.52.30
